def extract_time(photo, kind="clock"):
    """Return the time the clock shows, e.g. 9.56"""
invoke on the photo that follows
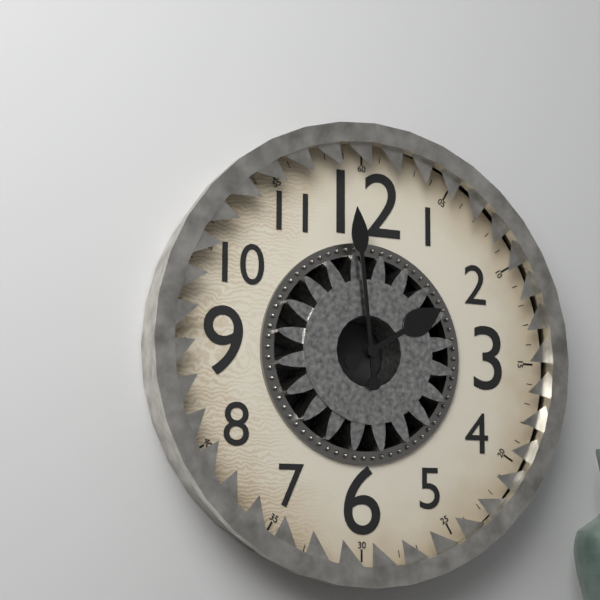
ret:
1.59
